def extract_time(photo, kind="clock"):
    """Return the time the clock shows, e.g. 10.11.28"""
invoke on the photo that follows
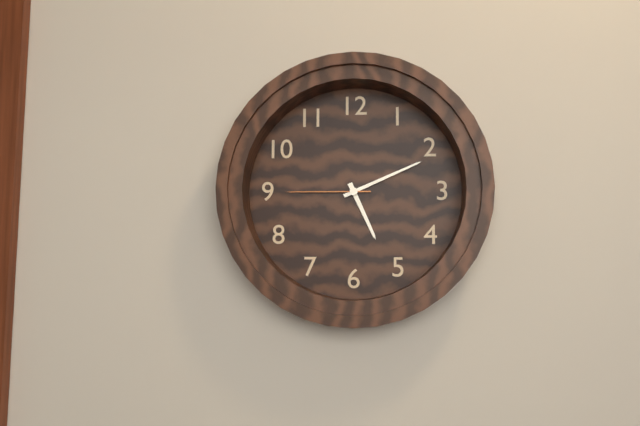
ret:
5.11.45
